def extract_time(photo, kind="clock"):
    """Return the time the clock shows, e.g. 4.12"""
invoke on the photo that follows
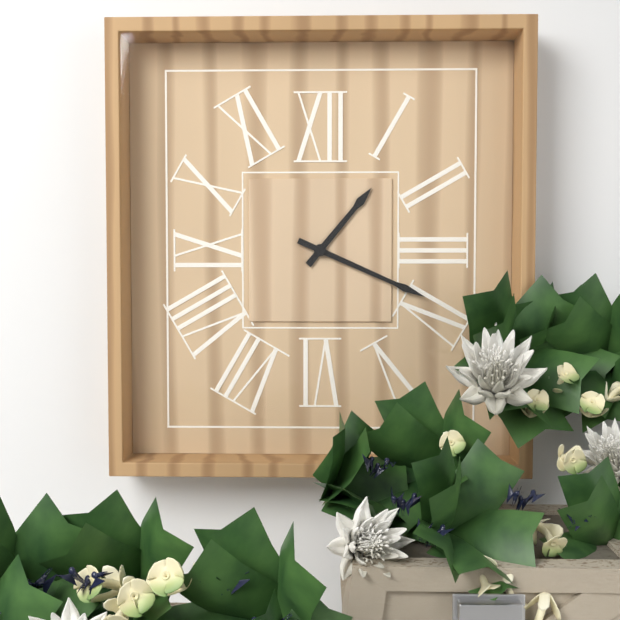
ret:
1.19
